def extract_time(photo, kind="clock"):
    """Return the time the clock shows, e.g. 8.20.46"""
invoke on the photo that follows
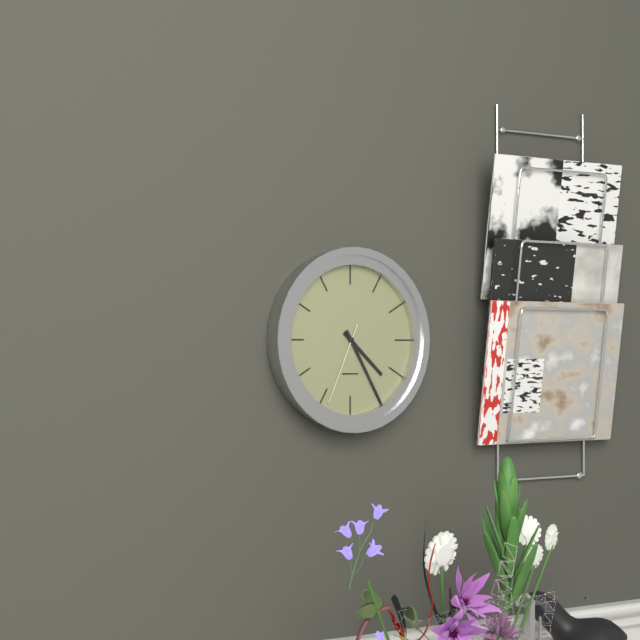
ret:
4.25.34
